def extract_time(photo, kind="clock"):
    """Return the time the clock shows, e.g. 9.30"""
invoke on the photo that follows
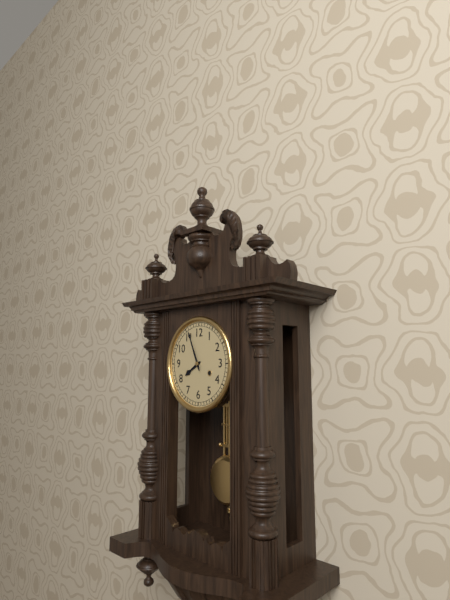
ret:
7.56
